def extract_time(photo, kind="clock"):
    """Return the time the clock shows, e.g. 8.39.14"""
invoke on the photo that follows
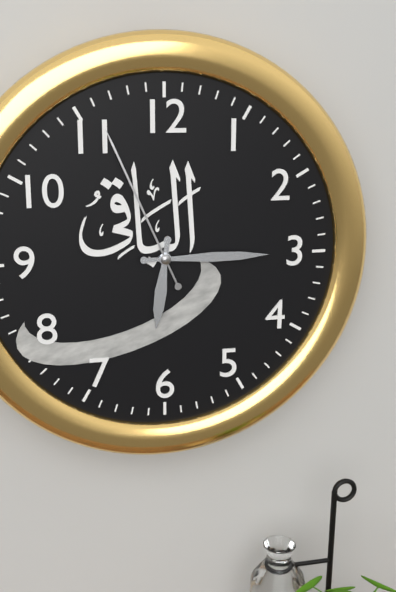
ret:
6.15.56
